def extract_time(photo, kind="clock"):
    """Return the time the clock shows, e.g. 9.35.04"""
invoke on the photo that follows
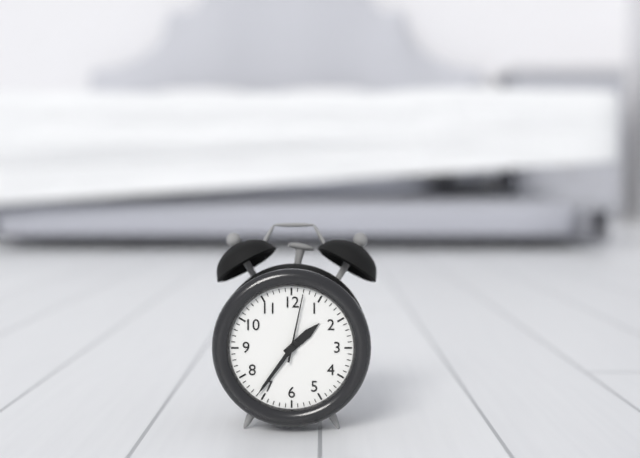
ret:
1.36.02
